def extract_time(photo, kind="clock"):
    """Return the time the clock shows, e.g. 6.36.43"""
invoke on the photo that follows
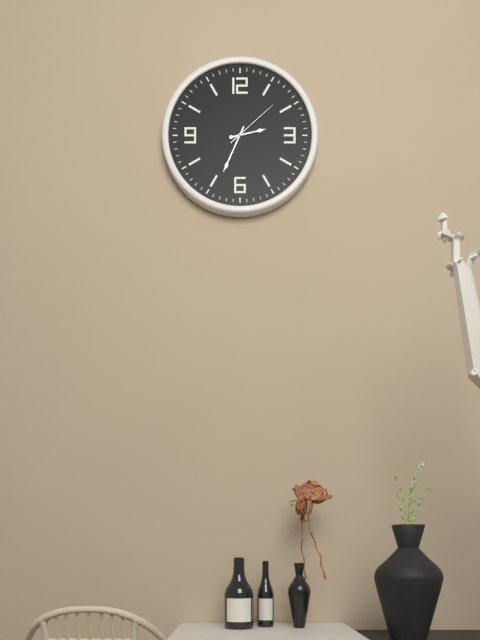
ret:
2.34.08
